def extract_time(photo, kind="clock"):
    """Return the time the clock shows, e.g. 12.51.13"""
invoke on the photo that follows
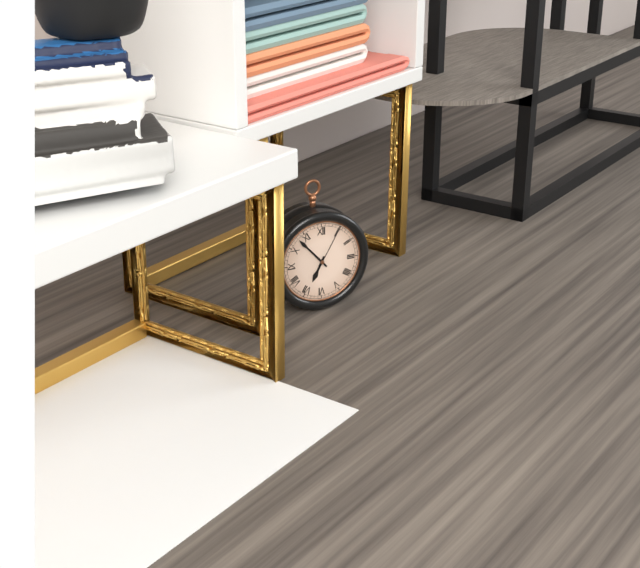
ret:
6.53.05
